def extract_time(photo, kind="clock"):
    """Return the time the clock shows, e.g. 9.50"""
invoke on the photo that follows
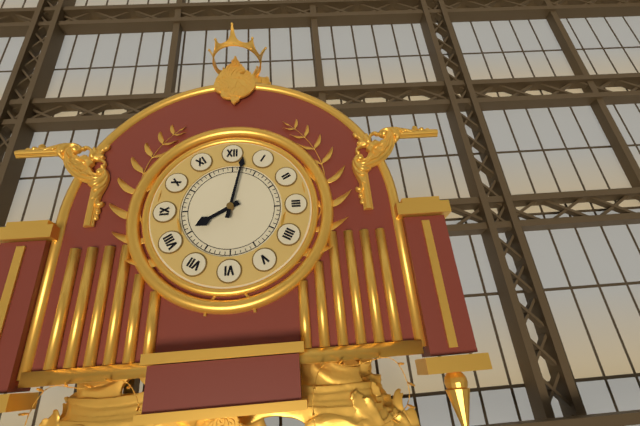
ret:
8.02
